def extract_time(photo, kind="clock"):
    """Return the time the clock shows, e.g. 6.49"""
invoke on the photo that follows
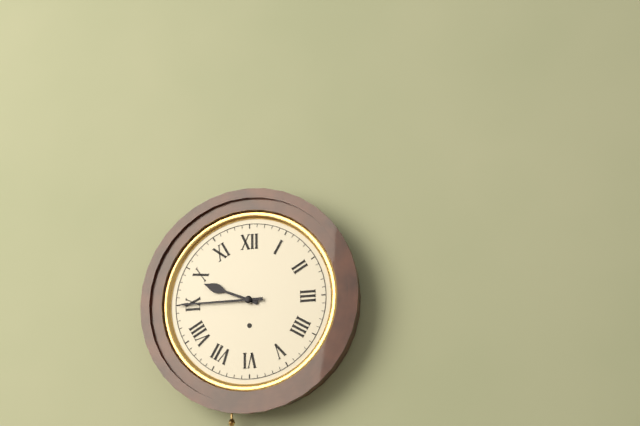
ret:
9.45
